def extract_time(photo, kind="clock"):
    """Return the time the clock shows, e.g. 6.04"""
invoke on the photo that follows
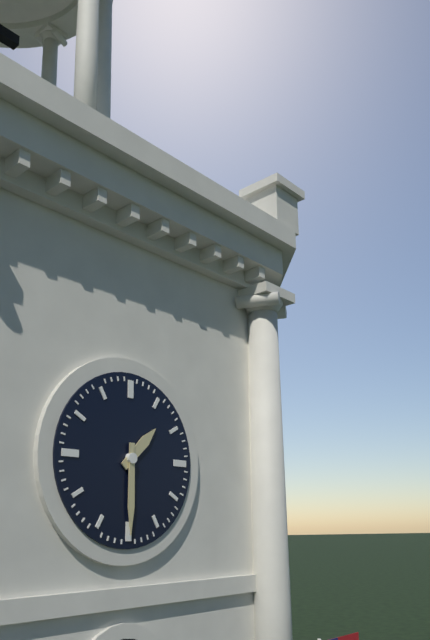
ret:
1.30
